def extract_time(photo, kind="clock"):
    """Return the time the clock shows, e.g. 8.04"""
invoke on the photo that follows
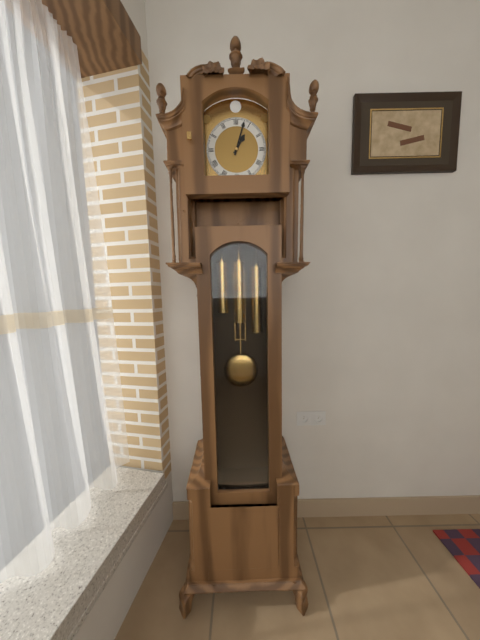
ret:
1.03
